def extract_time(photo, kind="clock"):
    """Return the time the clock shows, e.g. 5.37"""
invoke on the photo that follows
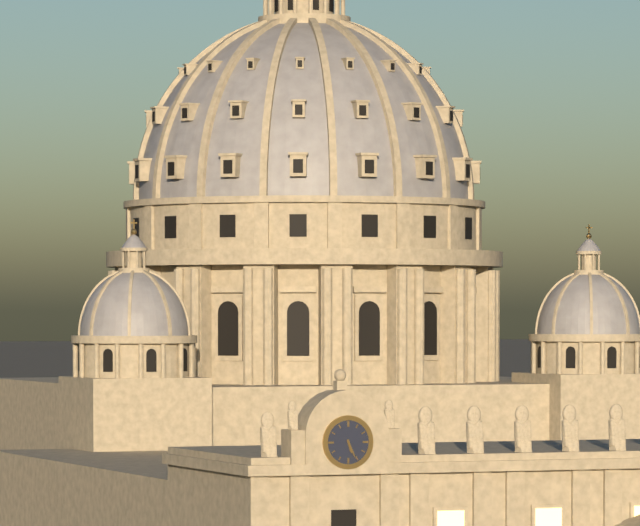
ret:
5.26
